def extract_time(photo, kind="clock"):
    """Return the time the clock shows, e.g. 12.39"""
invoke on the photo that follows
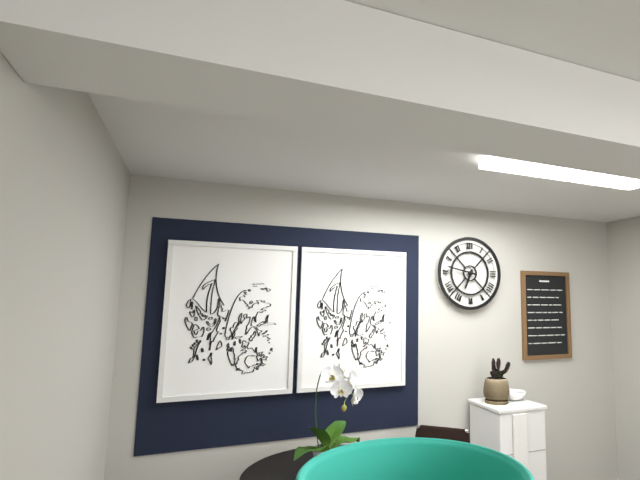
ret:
6.47
